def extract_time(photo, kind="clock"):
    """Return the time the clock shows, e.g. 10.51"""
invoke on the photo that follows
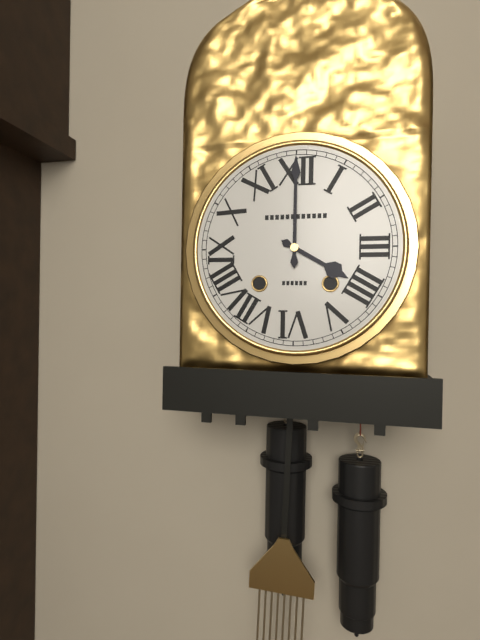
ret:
4.00
